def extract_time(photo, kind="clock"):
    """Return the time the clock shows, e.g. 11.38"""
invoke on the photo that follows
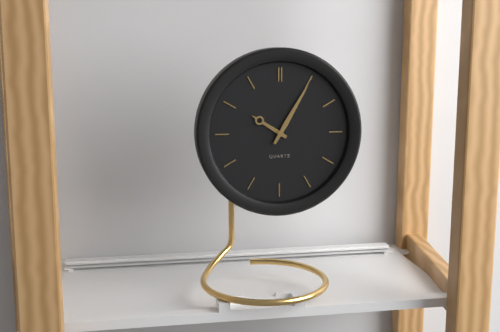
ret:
10.05
